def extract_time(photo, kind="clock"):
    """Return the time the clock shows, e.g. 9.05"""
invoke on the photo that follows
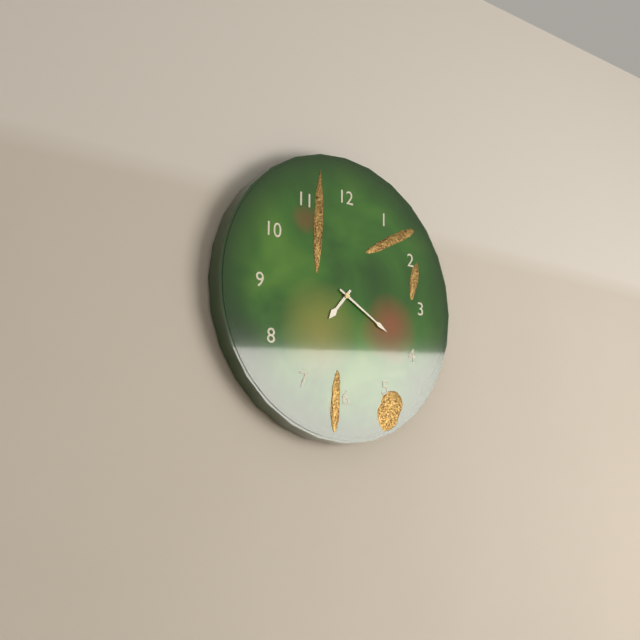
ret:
7.20
